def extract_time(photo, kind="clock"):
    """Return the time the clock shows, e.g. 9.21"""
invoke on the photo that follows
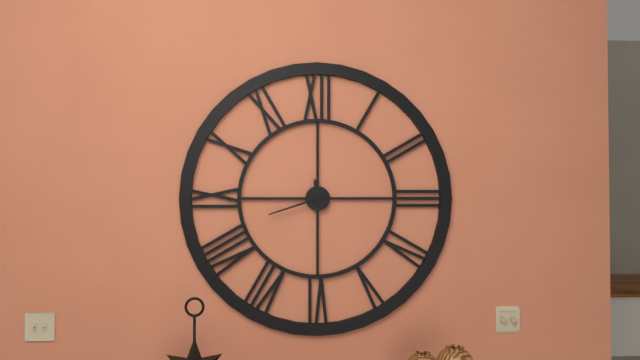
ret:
11.42
